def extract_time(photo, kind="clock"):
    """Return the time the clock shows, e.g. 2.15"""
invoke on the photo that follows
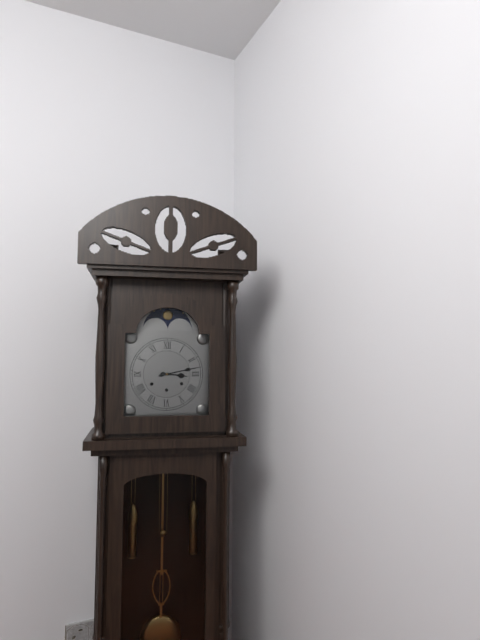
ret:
3.13
